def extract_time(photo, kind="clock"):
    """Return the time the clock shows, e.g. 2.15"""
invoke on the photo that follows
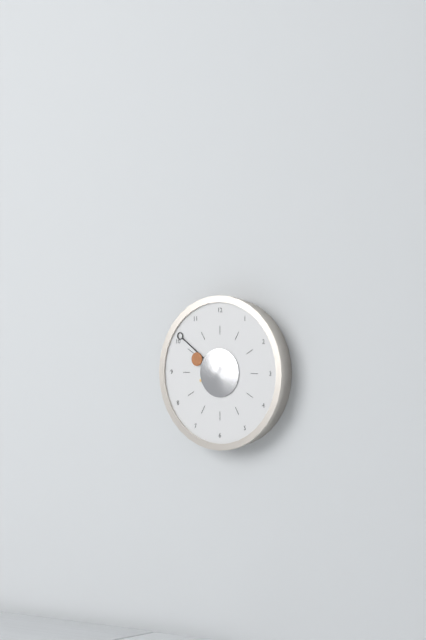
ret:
9.51
